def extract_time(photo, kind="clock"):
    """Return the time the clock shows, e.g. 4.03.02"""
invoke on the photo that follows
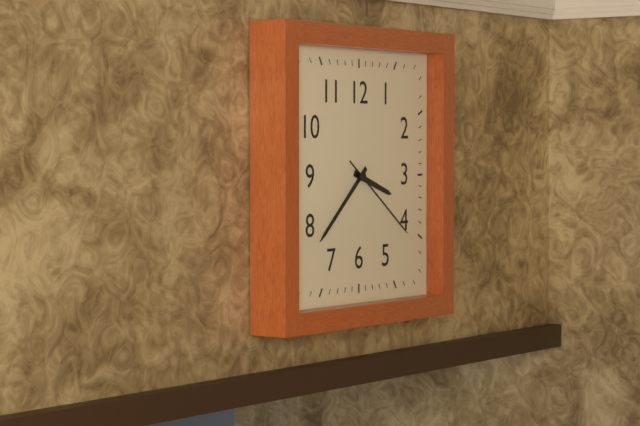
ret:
3.38.21
